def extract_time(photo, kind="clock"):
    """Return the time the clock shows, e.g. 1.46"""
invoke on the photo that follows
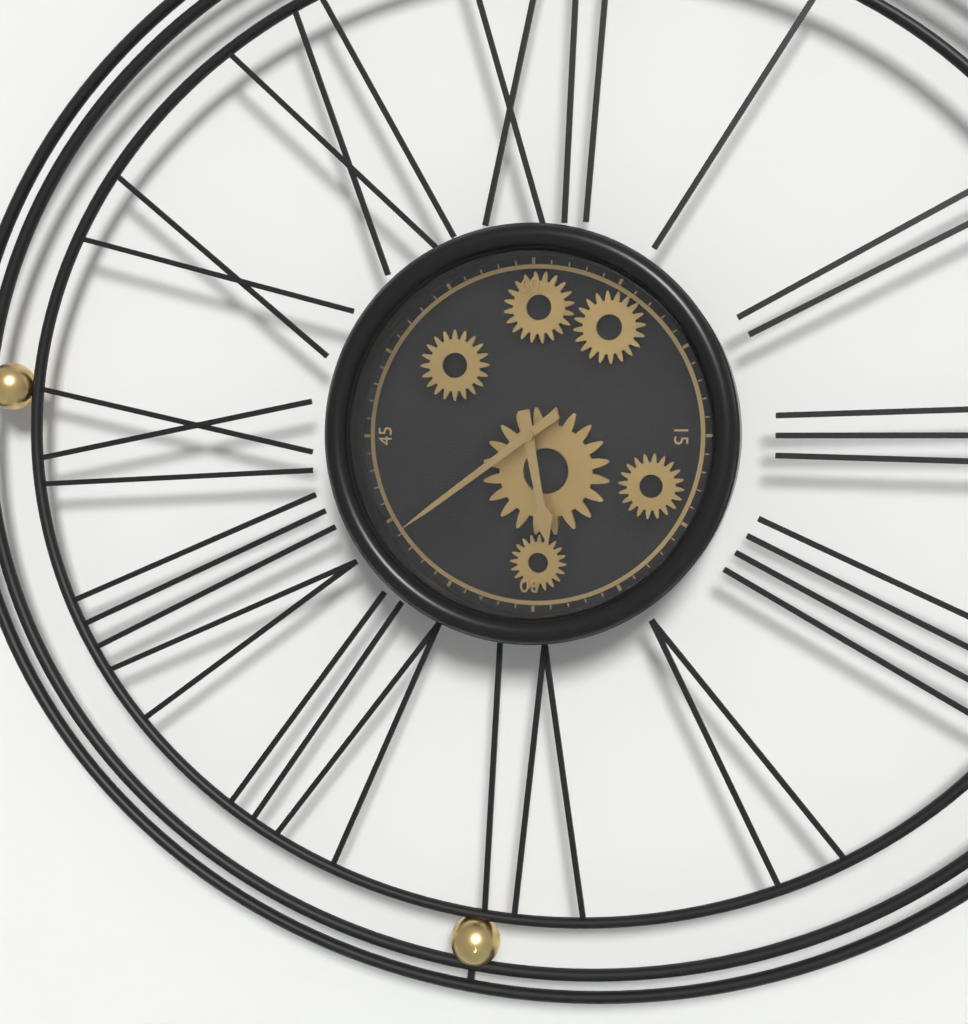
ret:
5.39
